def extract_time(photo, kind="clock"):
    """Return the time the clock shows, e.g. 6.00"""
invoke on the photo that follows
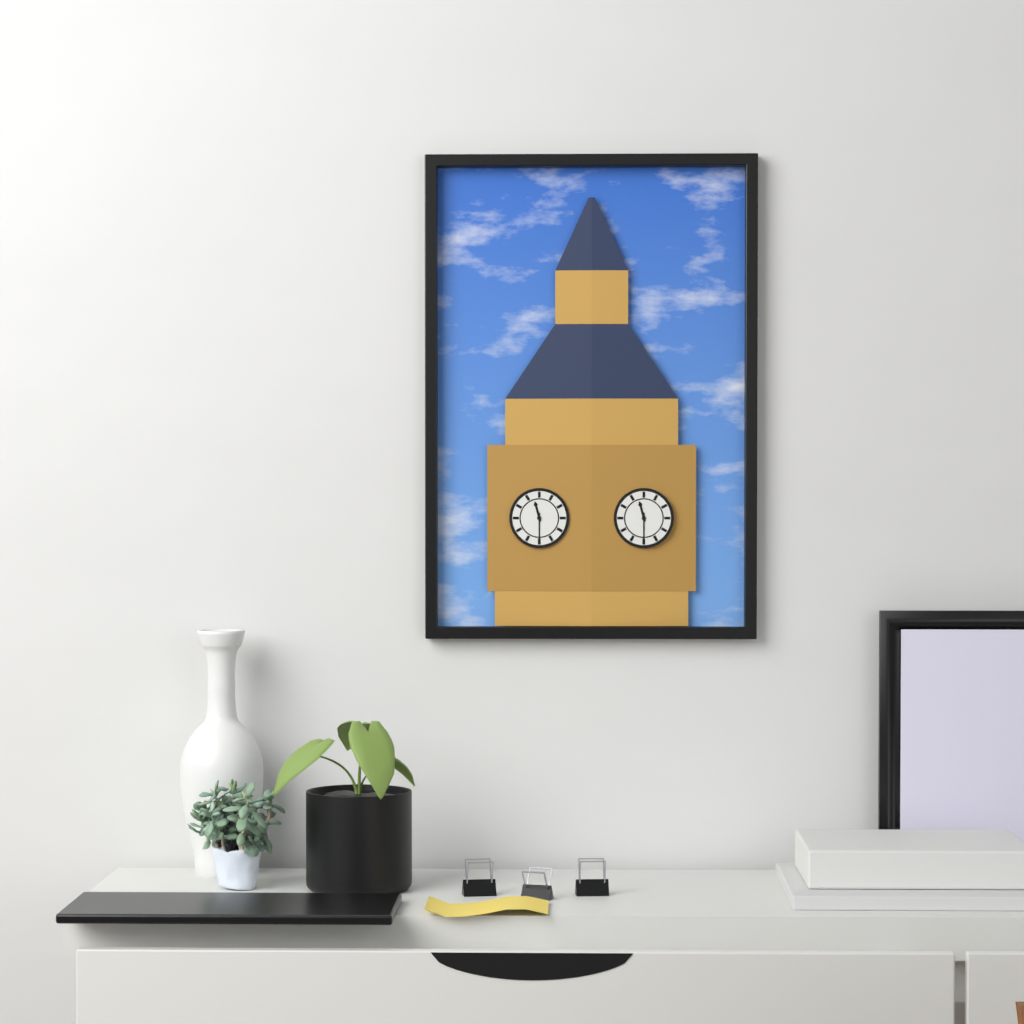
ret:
11.30
